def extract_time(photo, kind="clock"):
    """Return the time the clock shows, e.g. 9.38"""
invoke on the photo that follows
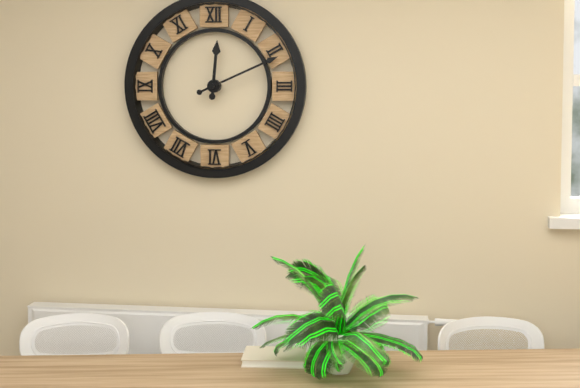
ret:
12.11
